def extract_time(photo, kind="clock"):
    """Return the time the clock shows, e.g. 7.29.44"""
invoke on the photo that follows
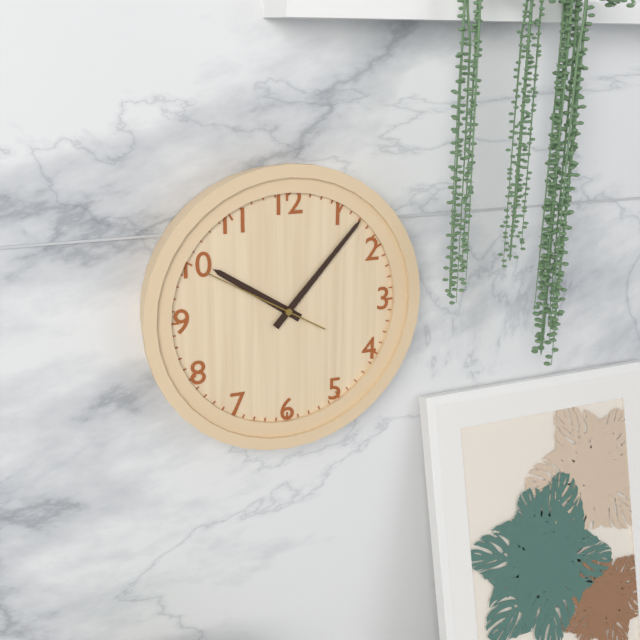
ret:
10.07.50
